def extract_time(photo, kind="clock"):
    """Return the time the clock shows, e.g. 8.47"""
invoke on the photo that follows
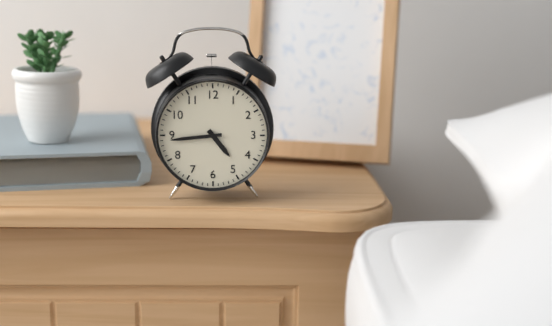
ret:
4.44
